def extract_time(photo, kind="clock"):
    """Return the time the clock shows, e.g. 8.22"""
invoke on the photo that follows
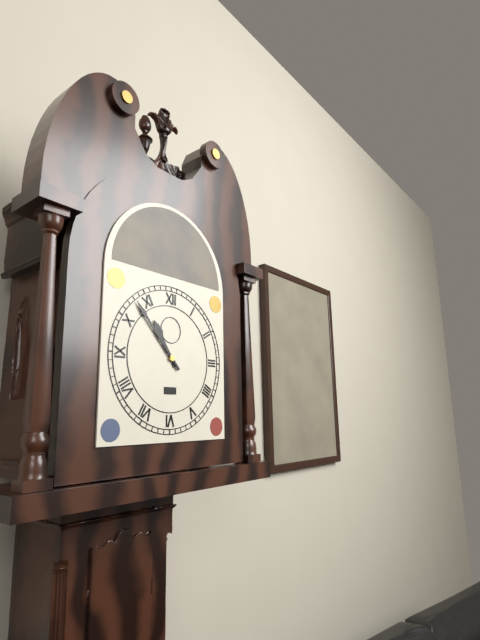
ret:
10.53
